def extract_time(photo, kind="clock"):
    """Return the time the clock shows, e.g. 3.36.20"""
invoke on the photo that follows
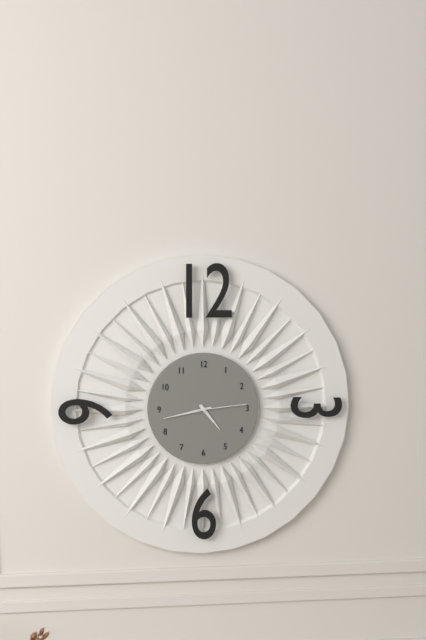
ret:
4.43.14
